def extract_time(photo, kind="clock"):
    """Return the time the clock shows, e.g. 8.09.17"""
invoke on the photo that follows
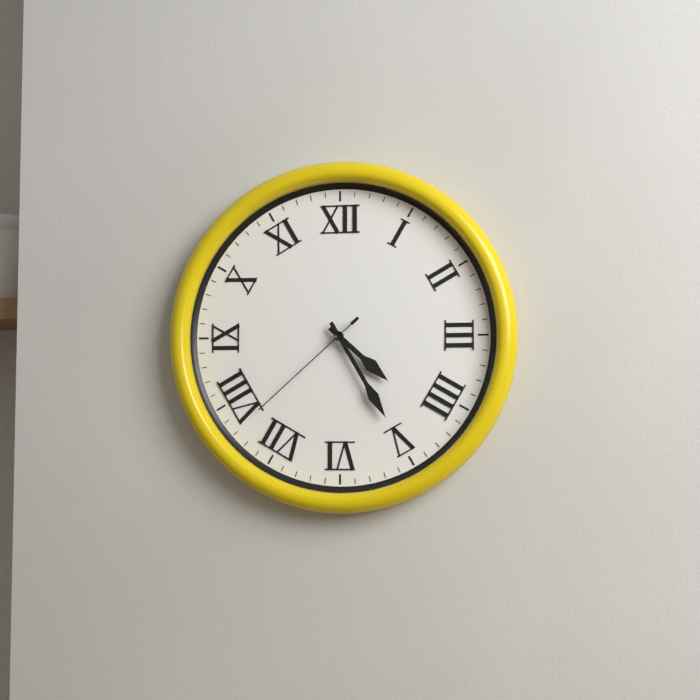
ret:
4.25.38
